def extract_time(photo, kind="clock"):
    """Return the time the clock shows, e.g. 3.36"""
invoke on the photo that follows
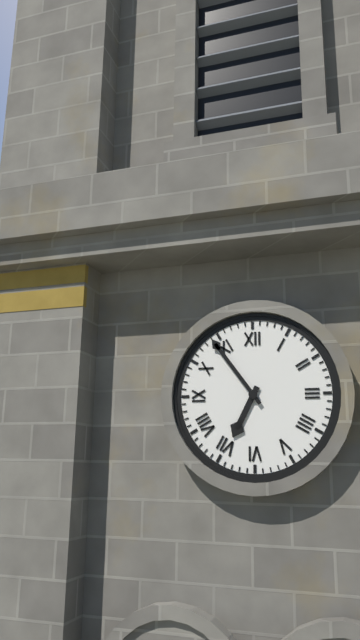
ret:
6.54
